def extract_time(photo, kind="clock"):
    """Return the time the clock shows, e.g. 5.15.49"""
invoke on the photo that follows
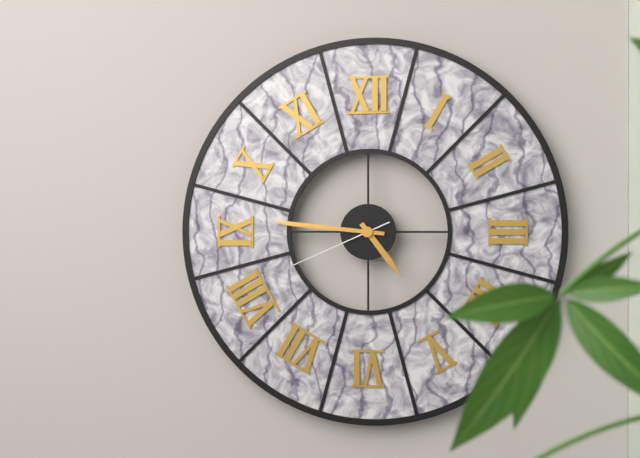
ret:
4.46.41
